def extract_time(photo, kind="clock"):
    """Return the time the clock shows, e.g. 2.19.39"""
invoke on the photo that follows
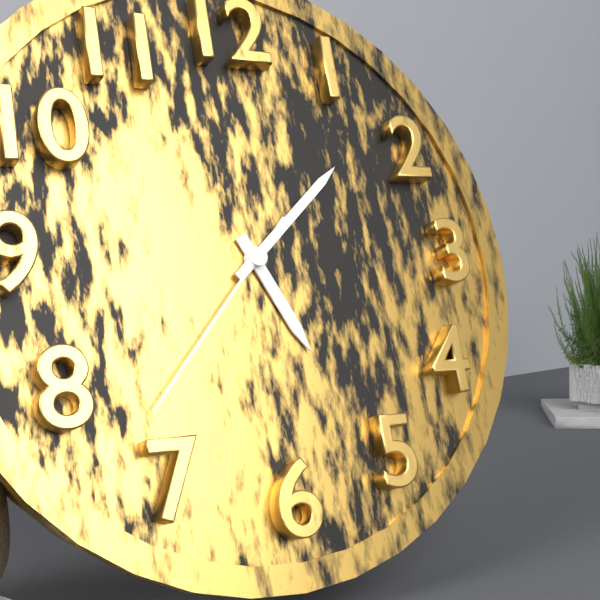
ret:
5.08.37
